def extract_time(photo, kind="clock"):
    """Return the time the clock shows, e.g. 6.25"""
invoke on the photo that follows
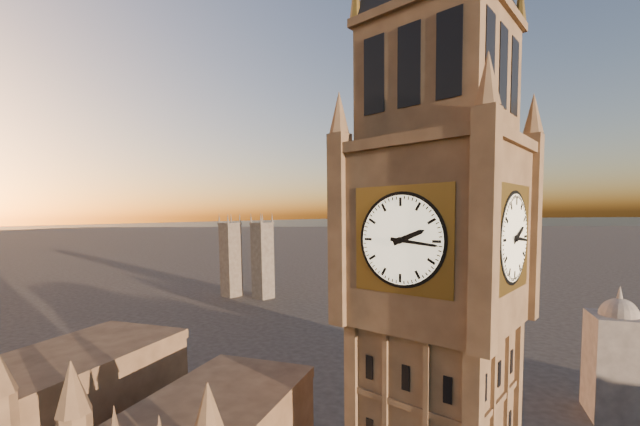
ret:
2.16
